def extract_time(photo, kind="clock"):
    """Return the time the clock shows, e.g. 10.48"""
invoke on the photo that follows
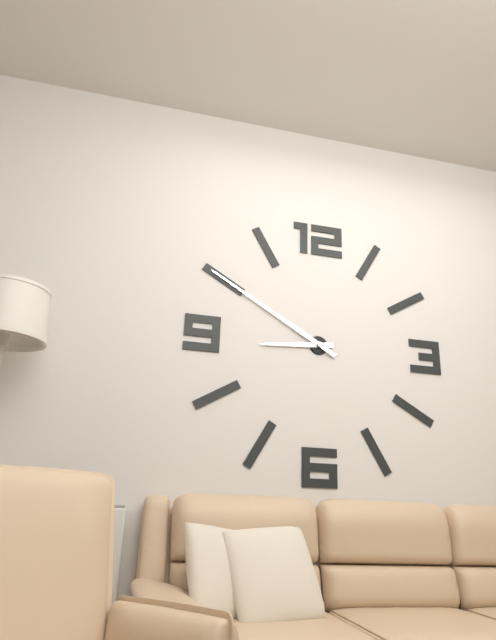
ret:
8.50
